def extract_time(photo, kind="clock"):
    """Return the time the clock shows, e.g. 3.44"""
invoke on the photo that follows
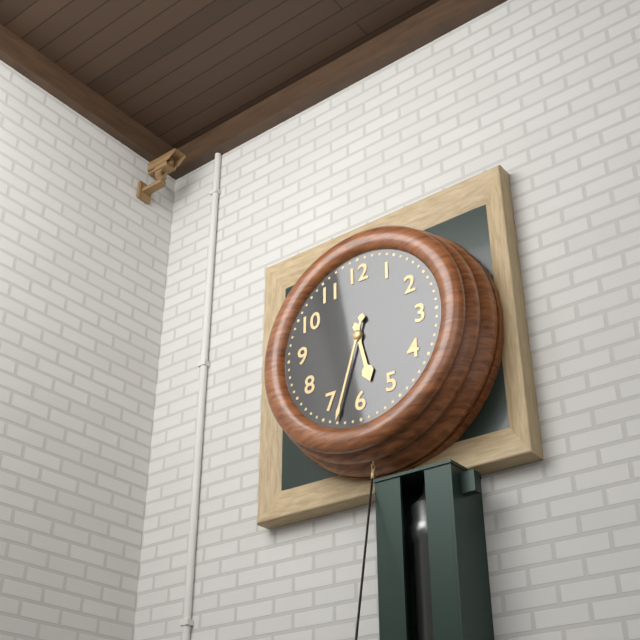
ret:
5.33
